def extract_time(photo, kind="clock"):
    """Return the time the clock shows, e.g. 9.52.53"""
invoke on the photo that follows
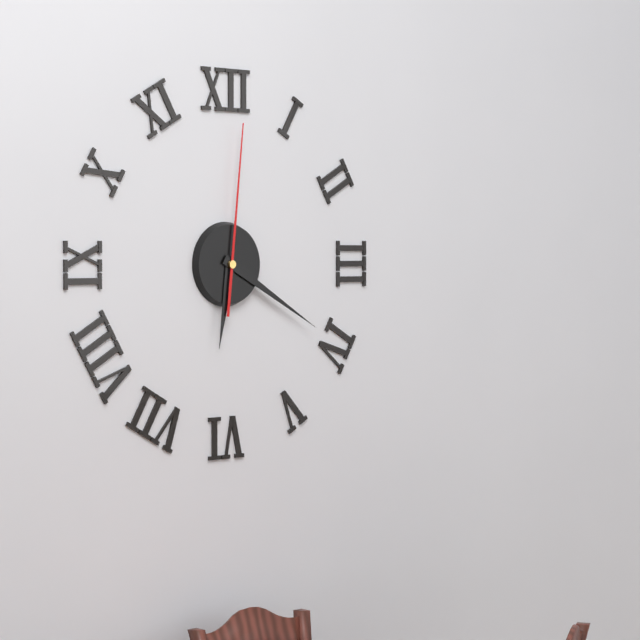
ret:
6.20.01
